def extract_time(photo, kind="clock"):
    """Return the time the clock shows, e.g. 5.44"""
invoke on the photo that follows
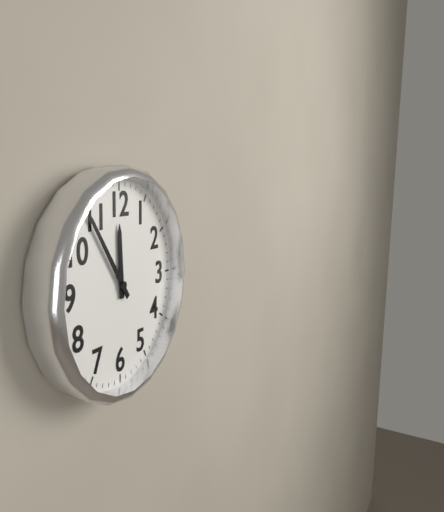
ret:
11.54
